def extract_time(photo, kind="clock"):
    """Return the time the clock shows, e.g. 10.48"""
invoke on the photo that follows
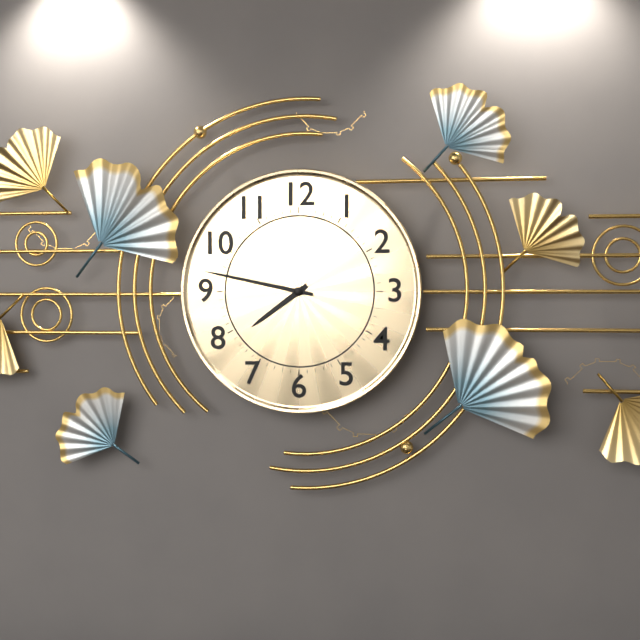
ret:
7.47
